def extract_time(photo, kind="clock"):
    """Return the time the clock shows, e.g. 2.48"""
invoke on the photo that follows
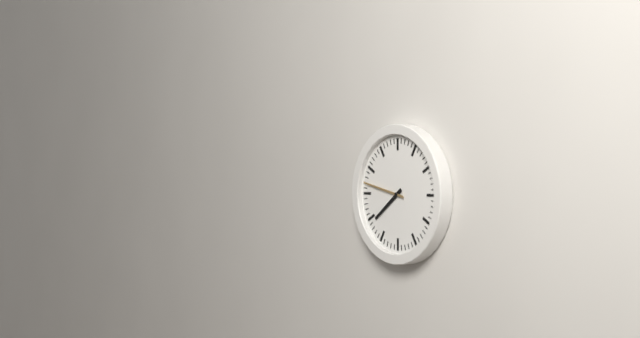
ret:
7.47
